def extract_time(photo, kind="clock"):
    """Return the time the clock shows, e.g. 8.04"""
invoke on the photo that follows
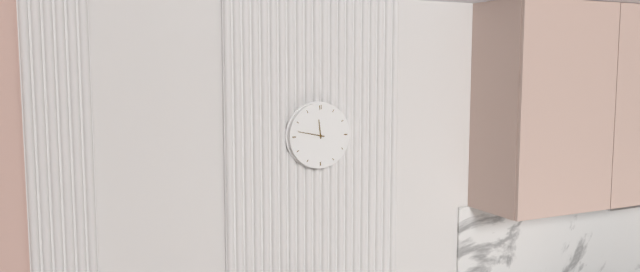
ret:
11.47
